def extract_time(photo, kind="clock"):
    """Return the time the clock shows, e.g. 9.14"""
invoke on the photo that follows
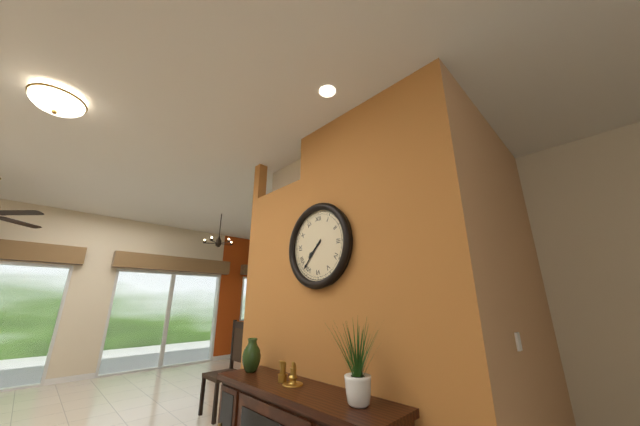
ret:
7.37
